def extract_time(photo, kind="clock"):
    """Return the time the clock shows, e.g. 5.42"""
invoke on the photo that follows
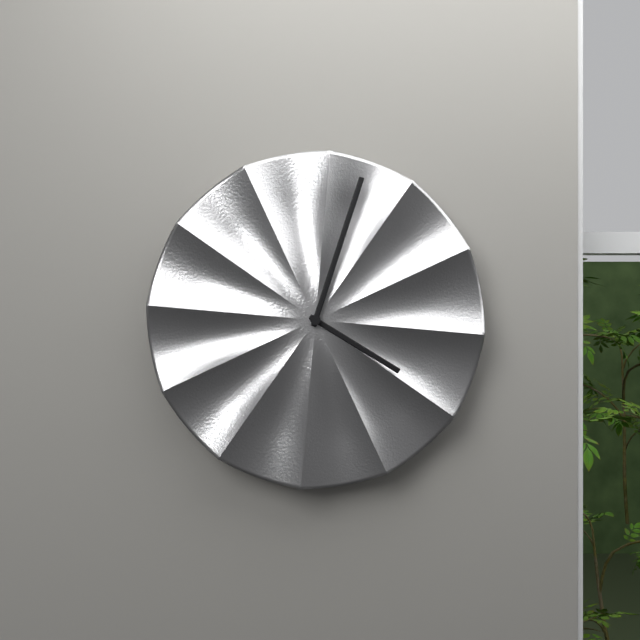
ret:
4.03
